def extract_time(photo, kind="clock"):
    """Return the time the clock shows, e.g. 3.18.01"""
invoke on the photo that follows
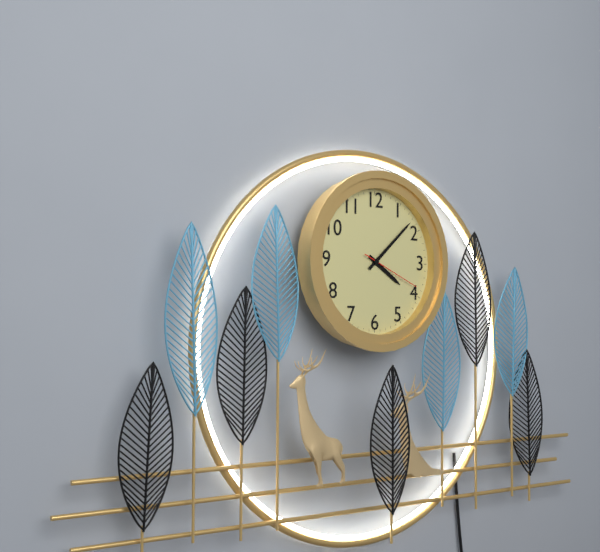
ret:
4.08.19
